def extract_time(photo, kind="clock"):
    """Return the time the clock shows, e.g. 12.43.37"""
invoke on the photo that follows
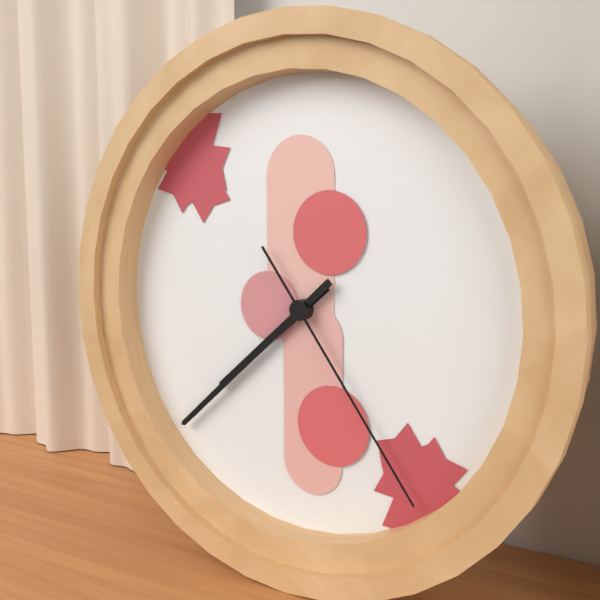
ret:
7.38.24
